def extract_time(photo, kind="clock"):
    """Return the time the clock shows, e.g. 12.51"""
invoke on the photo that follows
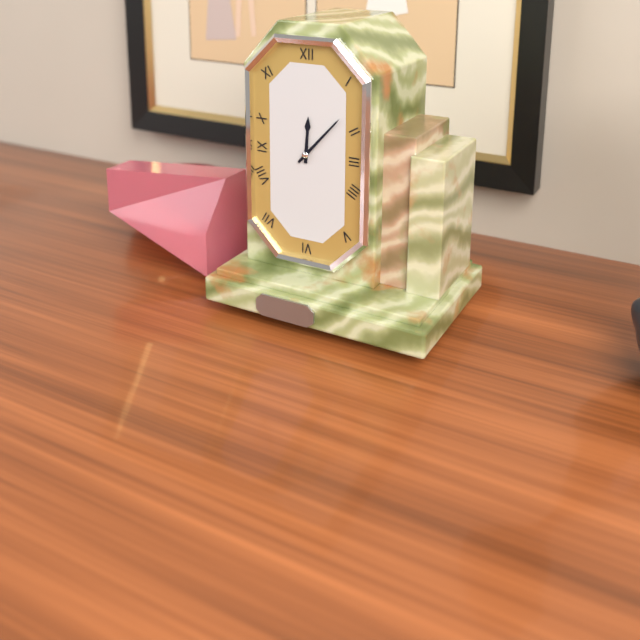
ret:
12.07
